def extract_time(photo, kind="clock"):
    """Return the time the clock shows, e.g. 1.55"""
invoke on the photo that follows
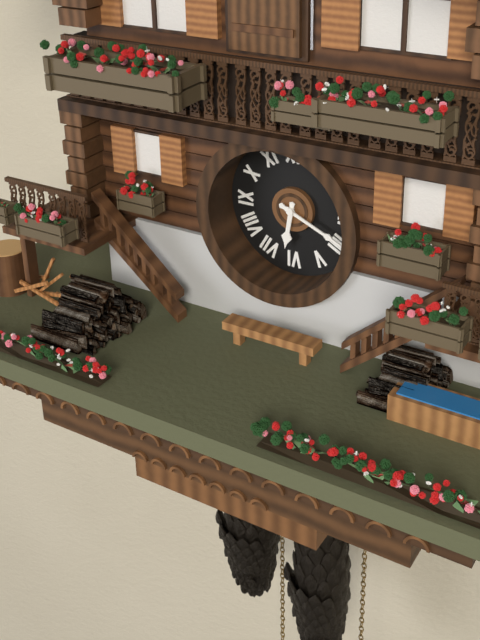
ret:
6.19
